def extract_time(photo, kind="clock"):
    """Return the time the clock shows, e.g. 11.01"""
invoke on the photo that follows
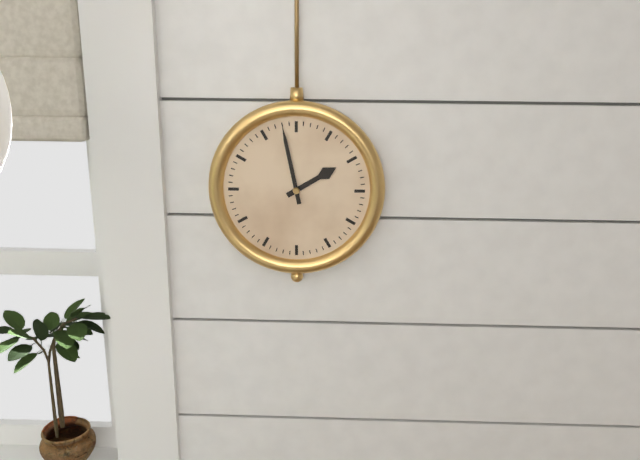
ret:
1.58
